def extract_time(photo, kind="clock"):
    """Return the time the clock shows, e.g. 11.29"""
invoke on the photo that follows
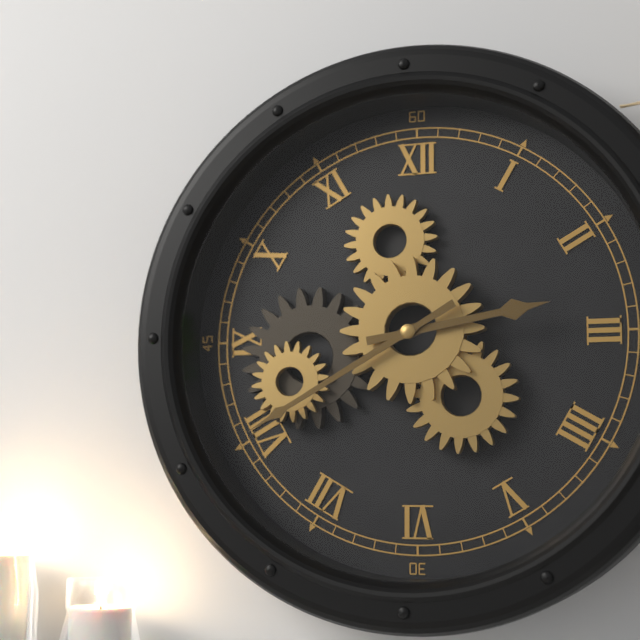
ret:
2.40
